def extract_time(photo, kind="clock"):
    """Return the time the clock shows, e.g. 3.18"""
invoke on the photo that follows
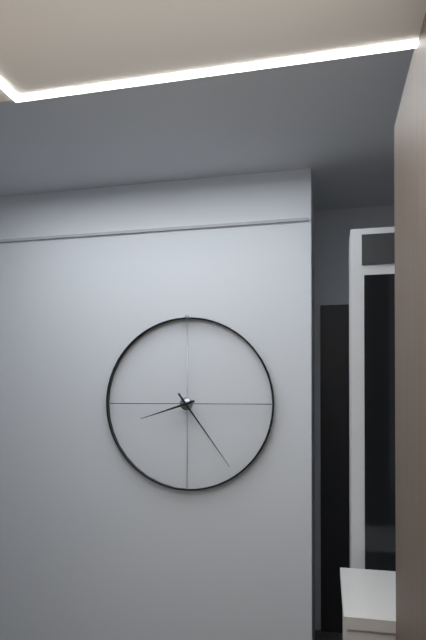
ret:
8.24
